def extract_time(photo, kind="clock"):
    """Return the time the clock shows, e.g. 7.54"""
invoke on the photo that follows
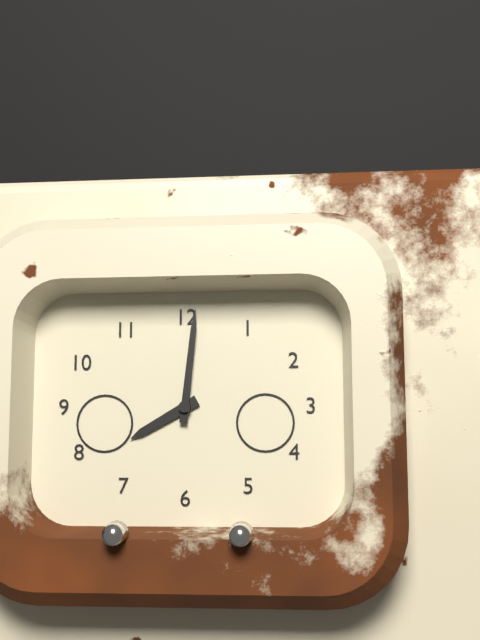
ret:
8.01
